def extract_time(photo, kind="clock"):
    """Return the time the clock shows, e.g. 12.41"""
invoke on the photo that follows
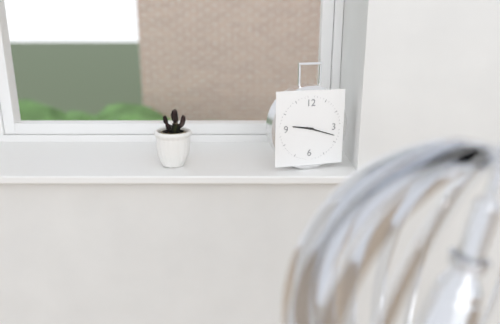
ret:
9.18
